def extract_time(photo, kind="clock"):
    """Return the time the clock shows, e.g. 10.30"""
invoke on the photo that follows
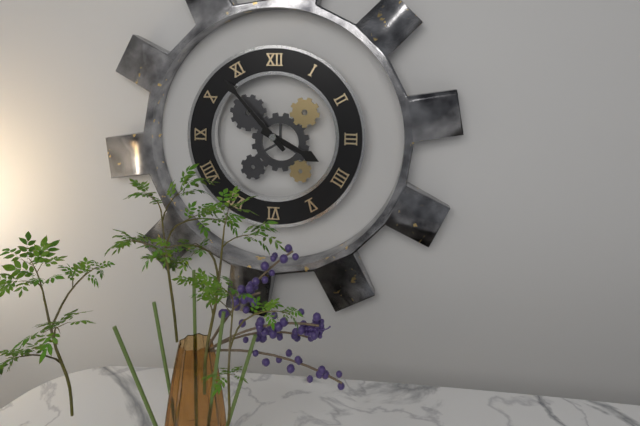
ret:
3.53
